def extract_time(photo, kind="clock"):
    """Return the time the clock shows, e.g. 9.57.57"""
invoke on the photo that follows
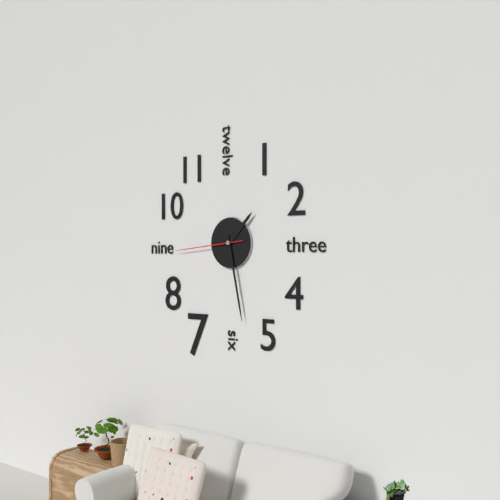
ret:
1.28.44
